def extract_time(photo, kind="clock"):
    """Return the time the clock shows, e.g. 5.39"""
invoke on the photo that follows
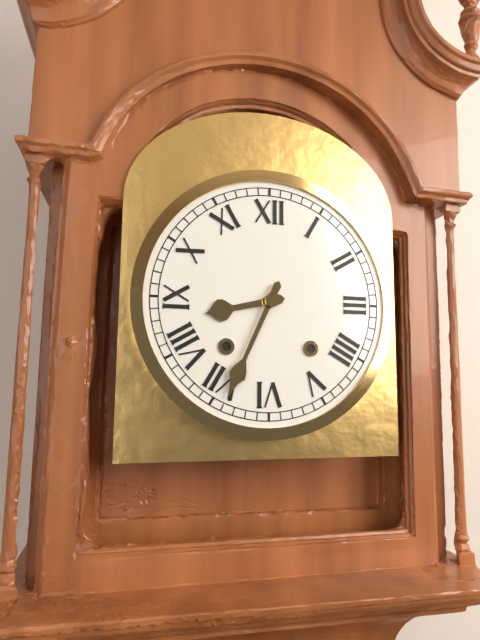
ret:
8.34
